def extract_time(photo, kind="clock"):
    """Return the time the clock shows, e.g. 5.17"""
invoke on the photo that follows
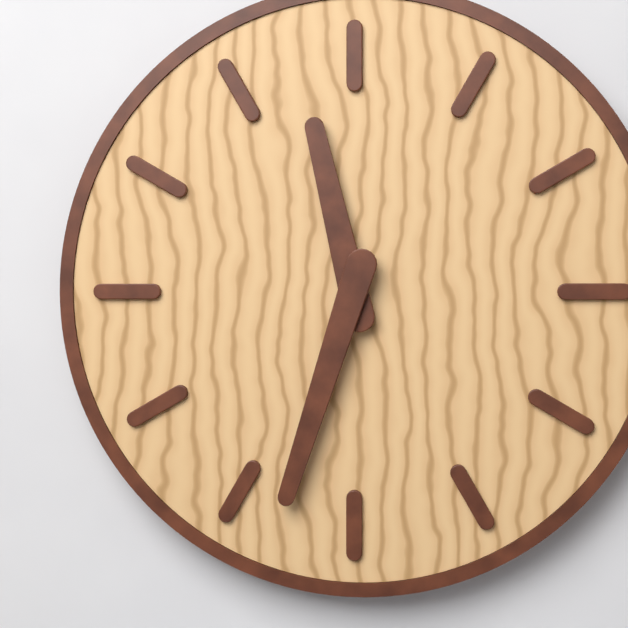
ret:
11.33
